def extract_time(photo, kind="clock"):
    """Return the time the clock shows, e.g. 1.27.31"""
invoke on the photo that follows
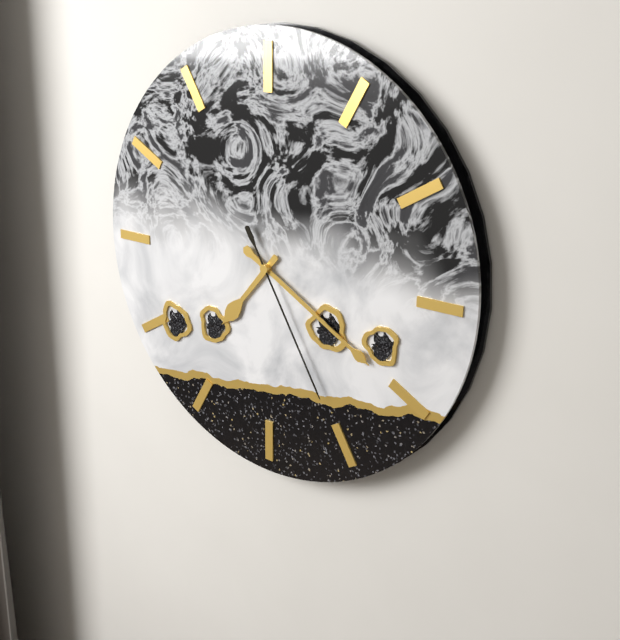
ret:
7.20.25
